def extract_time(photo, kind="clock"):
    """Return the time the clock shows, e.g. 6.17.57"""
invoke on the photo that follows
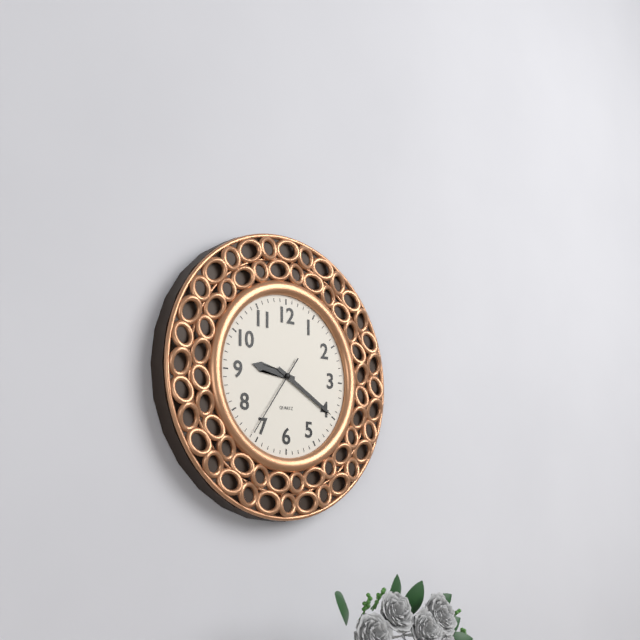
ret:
9.20.36
